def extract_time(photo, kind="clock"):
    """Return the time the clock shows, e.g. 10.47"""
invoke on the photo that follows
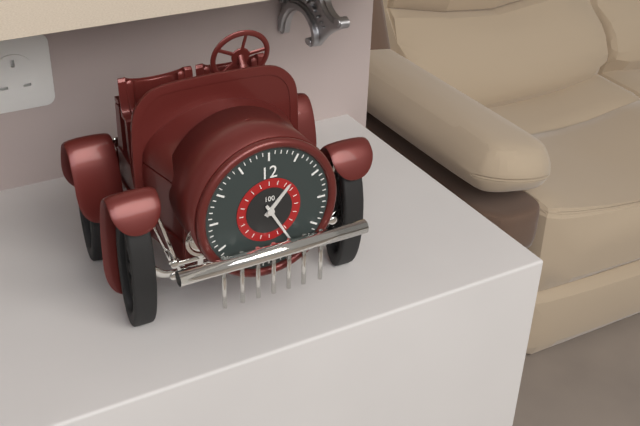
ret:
1.25
